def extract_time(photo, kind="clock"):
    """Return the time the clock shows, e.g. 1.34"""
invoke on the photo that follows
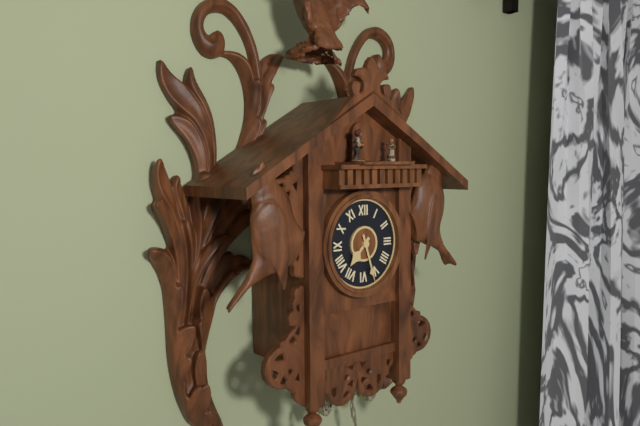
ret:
7.27
